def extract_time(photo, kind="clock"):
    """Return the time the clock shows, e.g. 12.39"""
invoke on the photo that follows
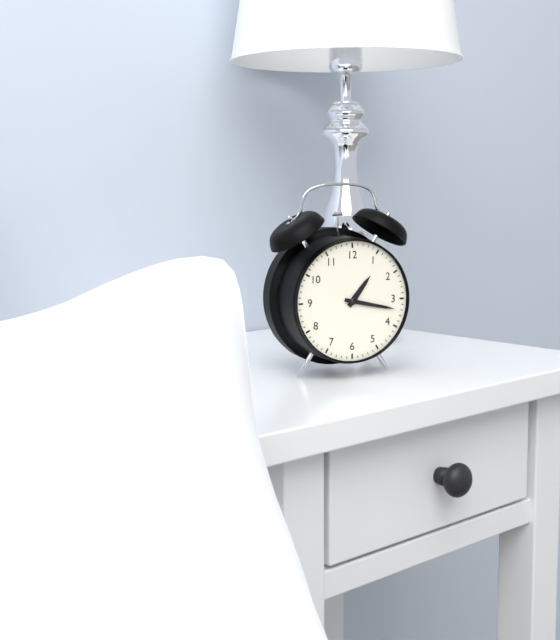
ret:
1.17
